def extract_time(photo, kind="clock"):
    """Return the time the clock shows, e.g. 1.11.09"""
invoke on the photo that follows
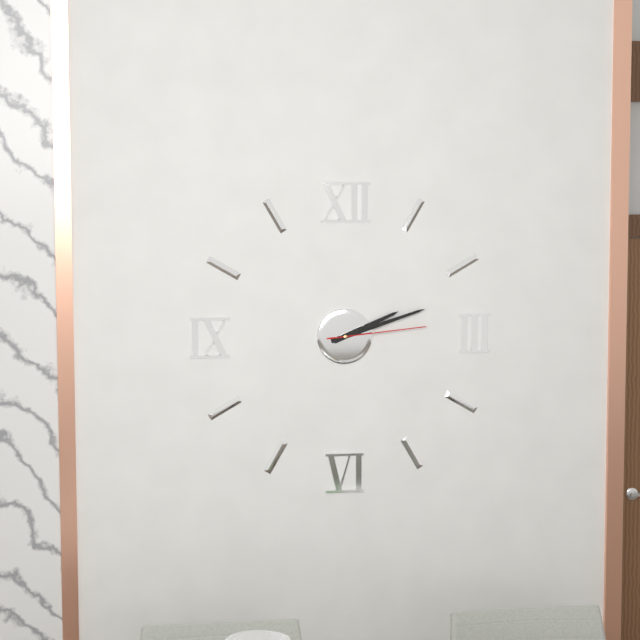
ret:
2.12.14
